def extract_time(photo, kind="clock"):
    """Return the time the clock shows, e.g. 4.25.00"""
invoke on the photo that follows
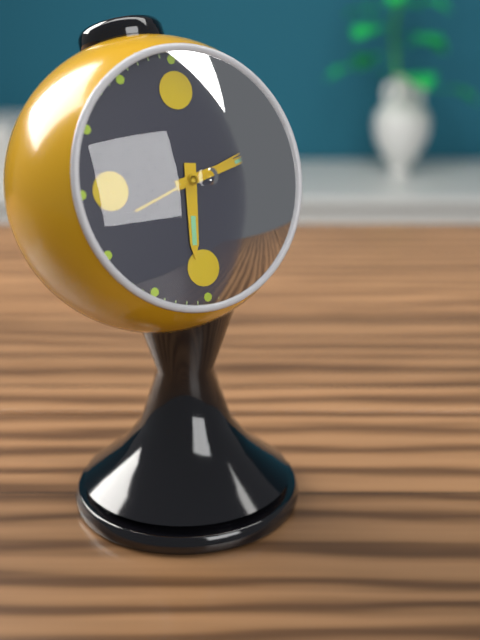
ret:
6.13.12
